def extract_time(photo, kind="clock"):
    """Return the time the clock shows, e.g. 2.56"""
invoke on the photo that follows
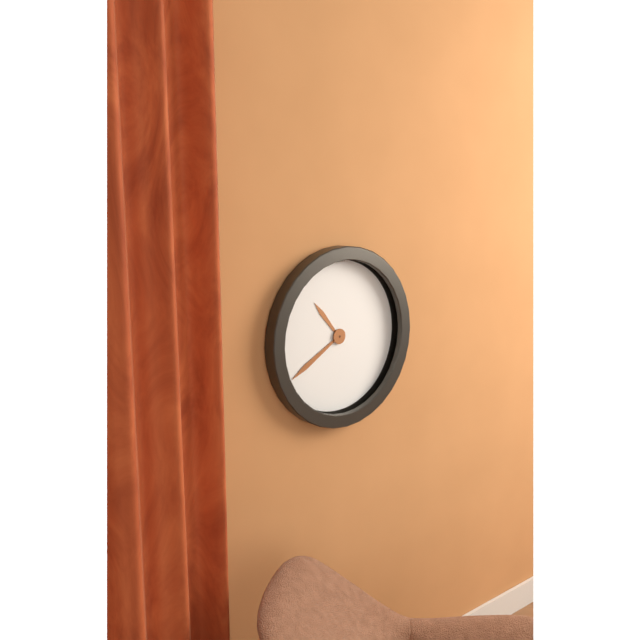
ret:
10.40
